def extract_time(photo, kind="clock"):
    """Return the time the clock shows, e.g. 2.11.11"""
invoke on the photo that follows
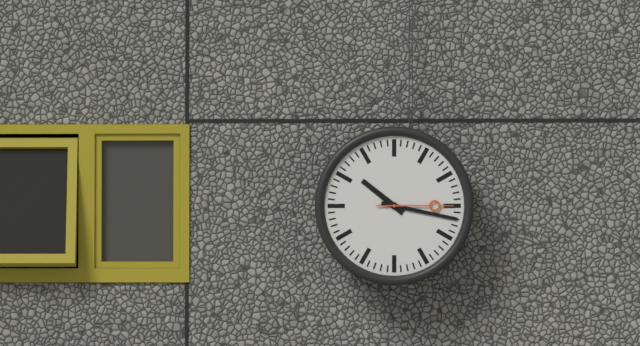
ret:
10.17.15
